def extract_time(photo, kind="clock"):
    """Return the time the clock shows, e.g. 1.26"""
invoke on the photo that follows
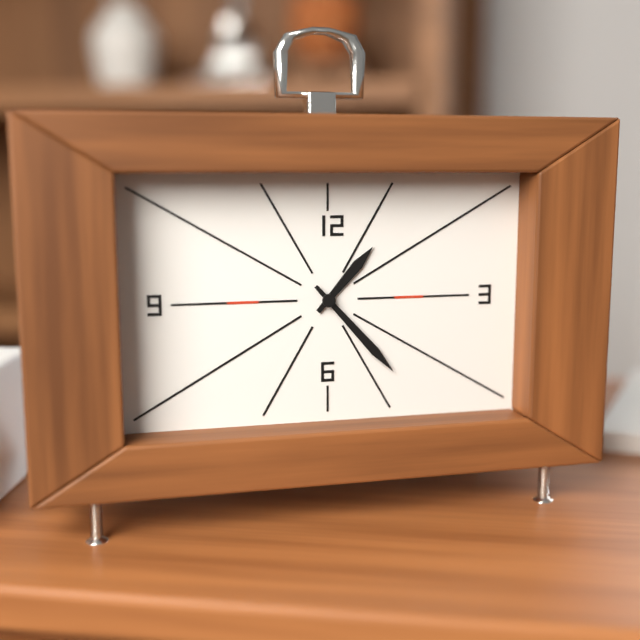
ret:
1.23
